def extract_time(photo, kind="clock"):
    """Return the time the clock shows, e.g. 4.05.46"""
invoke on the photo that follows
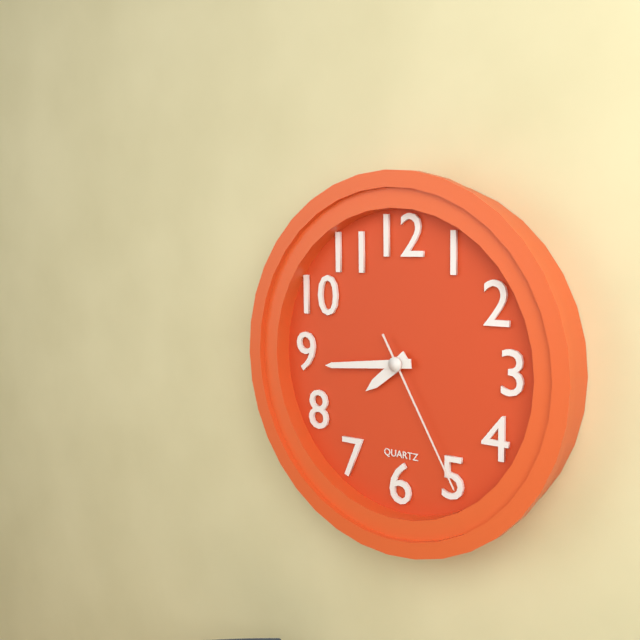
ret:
7.44.25
